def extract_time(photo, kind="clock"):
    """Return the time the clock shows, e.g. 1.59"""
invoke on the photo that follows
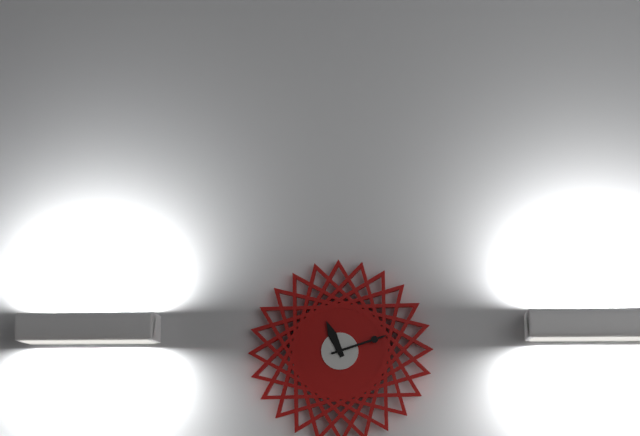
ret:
11.12
